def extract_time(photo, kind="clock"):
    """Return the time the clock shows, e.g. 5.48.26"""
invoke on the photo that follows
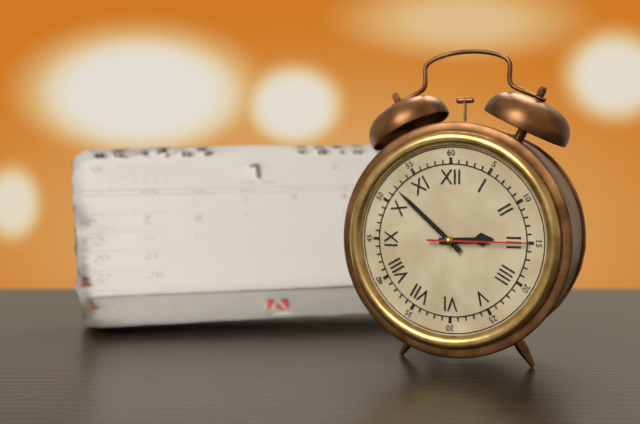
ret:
2.52.15
